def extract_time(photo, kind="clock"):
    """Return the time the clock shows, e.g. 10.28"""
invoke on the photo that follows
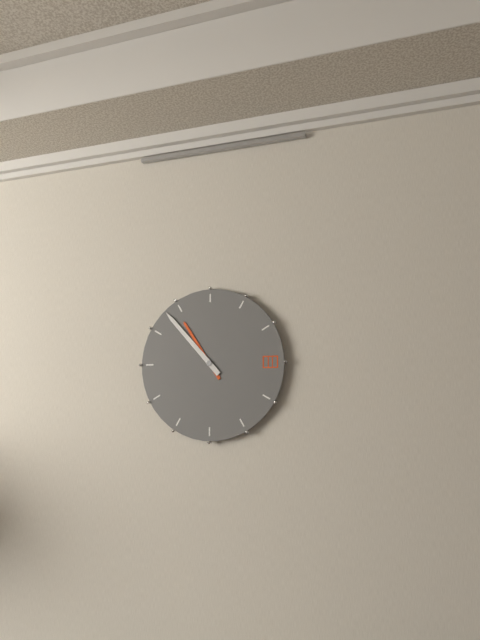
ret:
10.53
